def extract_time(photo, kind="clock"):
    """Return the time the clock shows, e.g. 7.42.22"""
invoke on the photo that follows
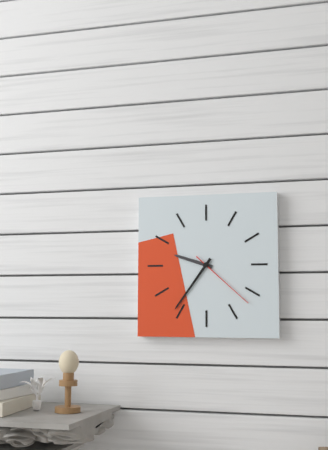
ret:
9.36.22
